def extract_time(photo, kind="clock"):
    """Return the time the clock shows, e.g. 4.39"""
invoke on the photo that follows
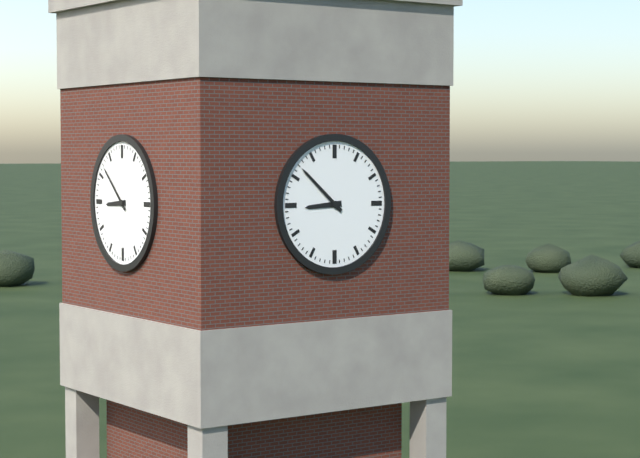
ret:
8.52
